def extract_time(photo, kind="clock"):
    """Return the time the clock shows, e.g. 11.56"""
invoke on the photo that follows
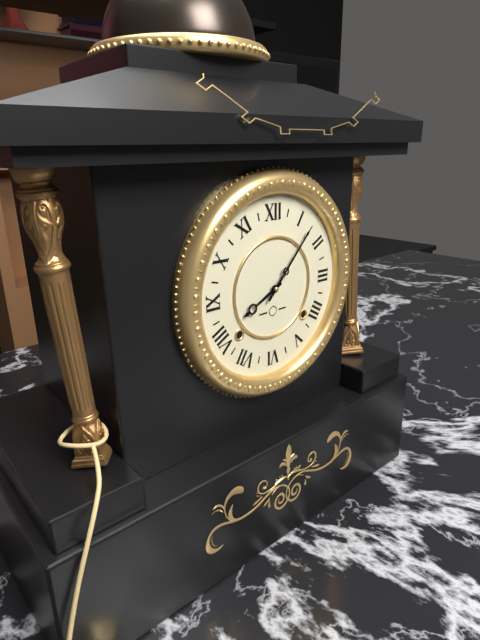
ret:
8.07
